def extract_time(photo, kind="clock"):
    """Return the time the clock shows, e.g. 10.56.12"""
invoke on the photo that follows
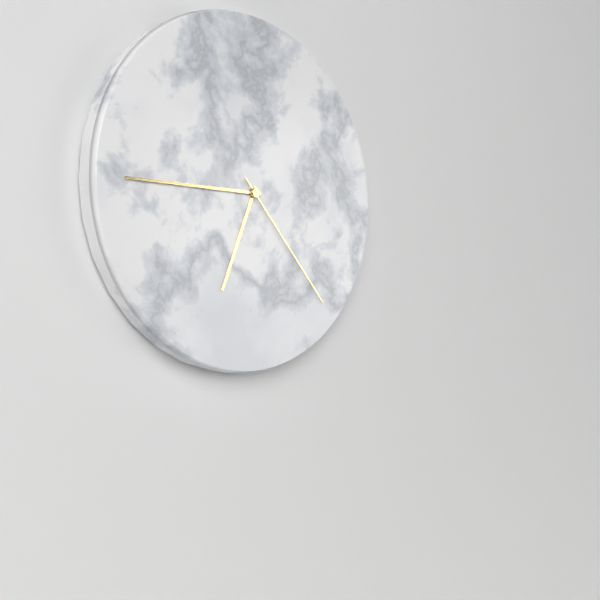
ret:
6.45.23
